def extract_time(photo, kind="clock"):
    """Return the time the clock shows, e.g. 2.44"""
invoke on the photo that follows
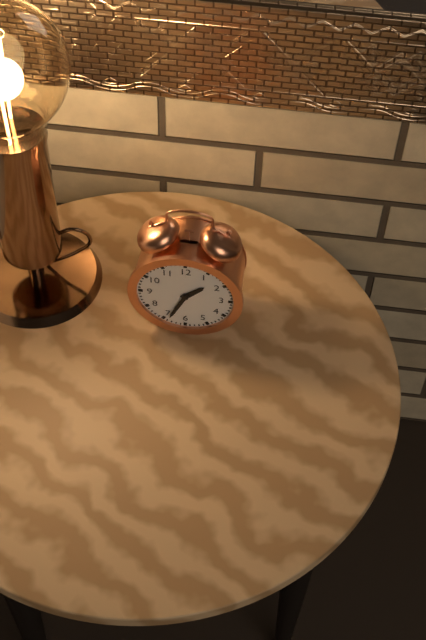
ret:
1.34
